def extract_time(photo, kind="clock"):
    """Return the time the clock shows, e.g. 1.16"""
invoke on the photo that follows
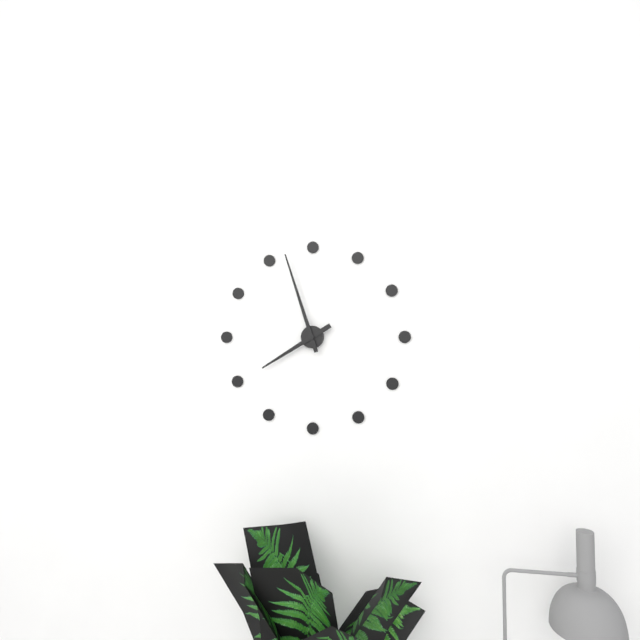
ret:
7.57
